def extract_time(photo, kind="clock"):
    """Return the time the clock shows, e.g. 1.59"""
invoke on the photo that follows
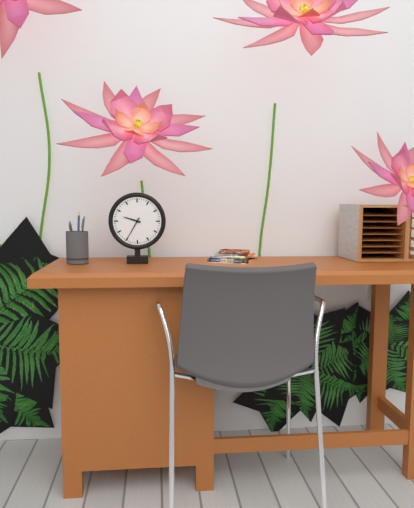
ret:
9.35
